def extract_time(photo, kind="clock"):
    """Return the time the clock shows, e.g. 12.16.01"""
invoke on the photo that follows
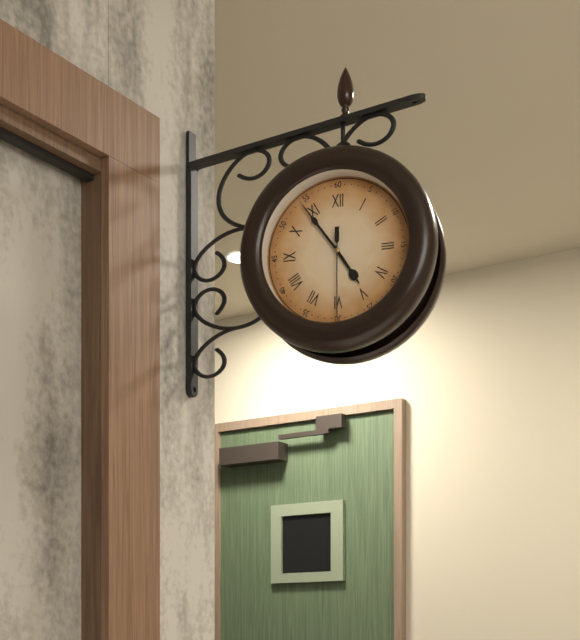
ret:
4.54.30
